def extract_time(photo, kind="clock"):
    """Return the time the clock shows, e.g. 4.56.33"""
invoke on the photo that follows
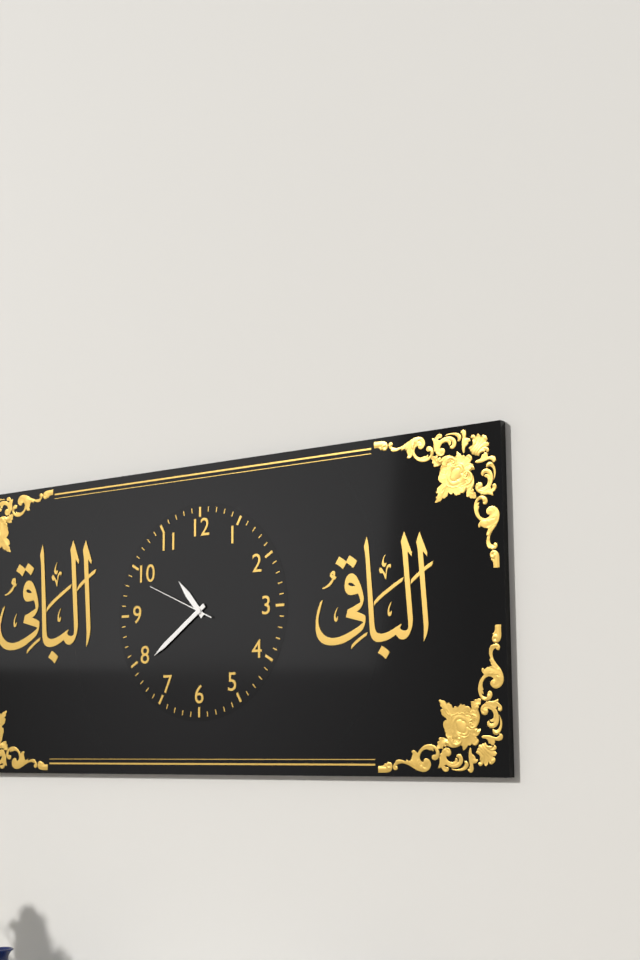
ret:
10.39.49
